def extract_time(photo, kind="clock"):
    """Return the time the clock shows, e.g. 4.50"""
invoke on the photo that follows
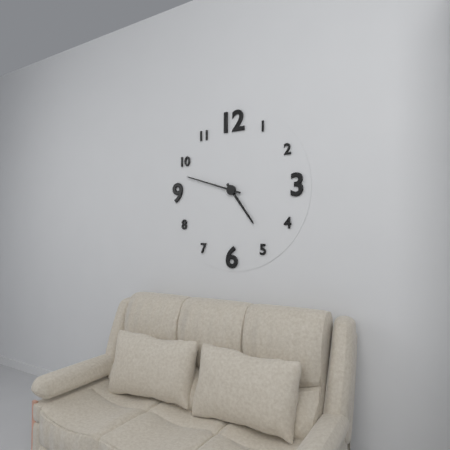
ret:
4.48
